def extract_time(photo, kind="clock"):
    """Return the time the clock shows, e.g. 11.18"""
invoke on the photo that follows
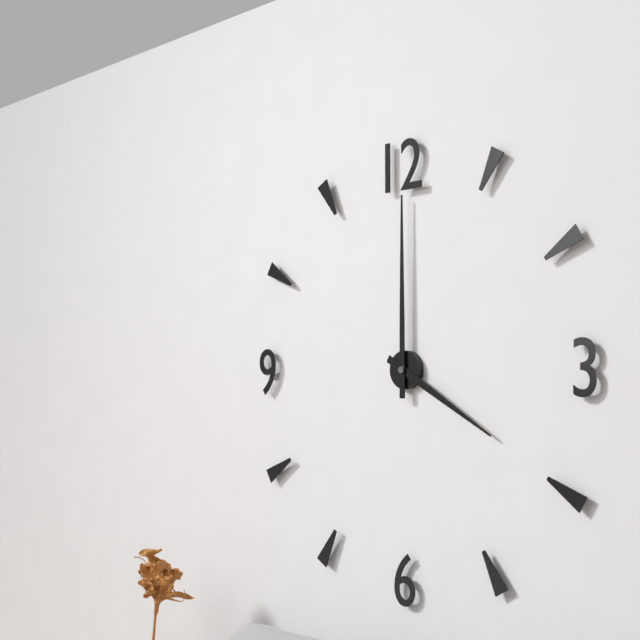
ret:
4.00
